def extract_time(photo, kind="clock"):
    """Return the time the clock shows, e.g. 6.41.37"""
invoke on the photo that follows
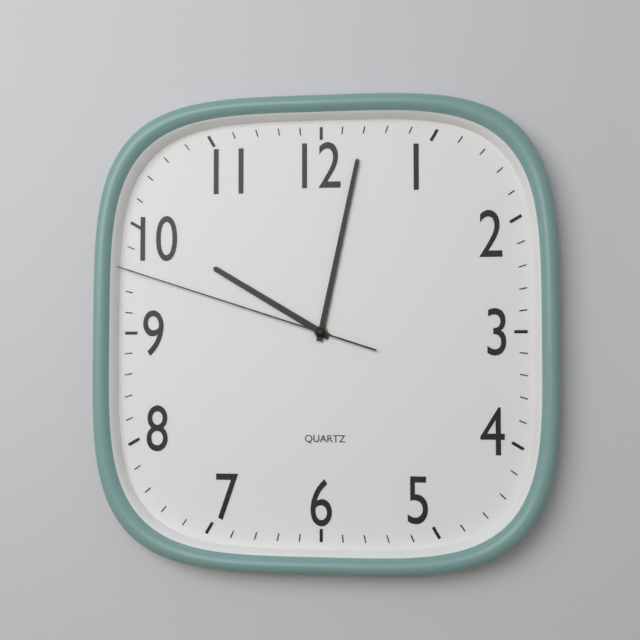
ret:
10.02.48
